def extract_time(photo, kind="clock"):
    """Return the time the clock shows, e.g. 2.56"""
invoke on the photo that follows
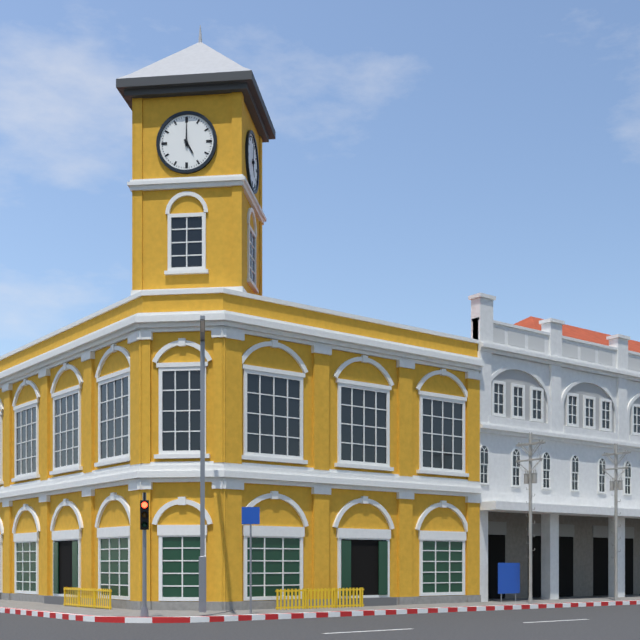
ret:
5.00
